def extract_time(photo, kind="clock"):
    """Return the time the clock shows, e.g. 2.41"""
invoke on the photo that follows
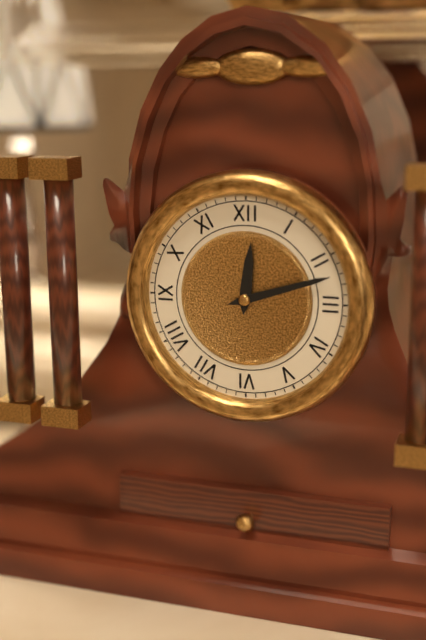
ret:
12.12
